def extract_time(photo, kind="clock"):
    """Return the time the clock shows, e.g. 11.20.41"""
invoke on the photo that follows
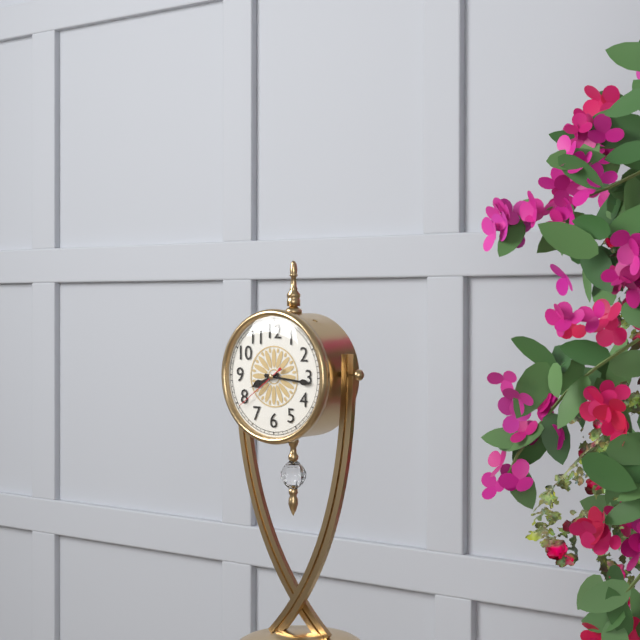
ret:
8.16.39
